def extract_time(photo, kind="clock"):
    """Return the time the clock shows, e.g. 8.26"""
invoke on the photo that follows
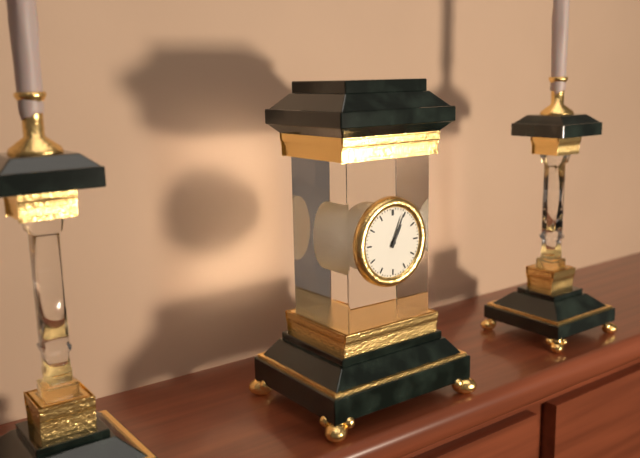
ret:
1.04
